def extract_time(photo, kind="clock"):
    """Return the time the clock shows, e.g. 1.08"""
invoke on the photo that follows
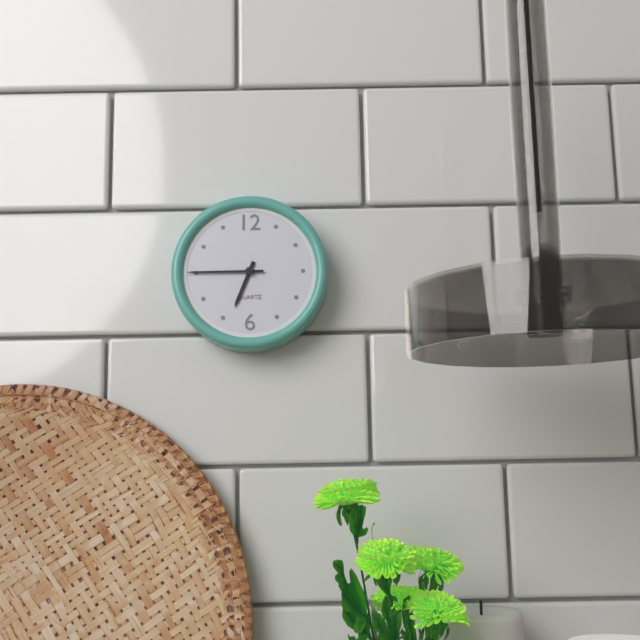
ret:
6.45
